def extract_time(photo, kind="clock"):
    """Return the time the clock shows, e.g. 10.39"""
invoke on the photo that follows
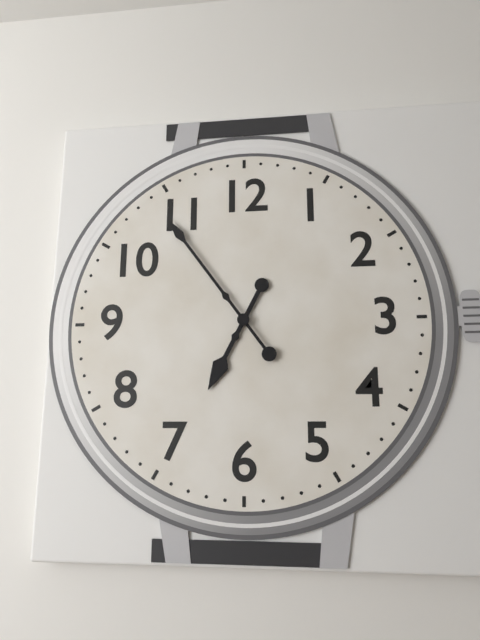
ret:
6.54
